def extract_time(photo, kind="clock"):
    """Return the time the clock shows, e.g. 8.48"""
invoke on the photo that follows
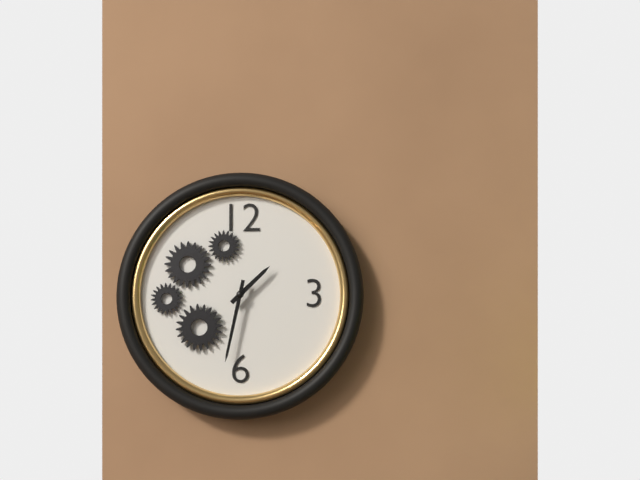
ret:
1.32
